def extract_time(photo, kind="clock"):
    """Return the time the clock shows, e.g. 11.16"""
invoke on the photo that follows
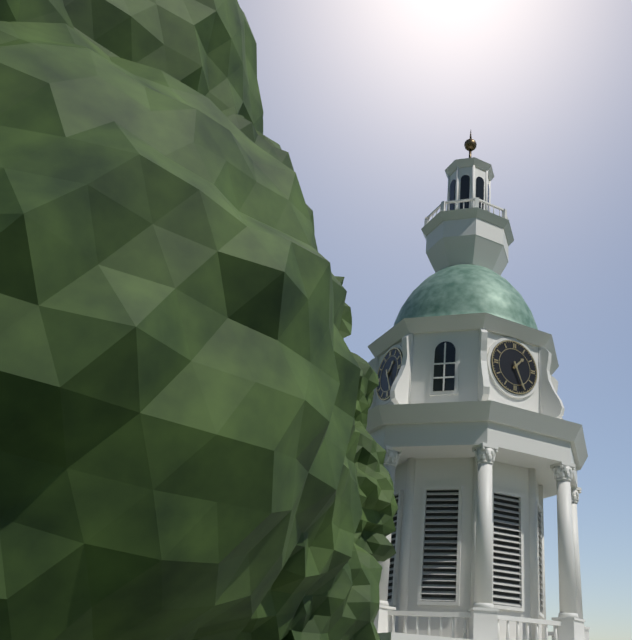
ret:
1.26
